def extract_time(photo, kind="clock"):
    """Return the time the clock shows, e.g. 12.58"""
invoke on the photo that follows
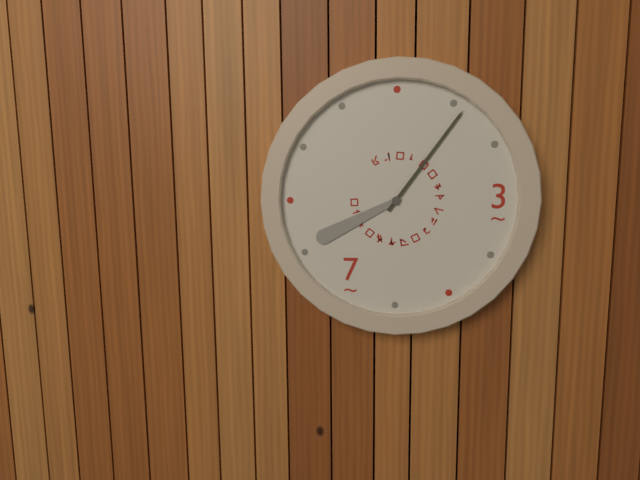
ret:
8.06
